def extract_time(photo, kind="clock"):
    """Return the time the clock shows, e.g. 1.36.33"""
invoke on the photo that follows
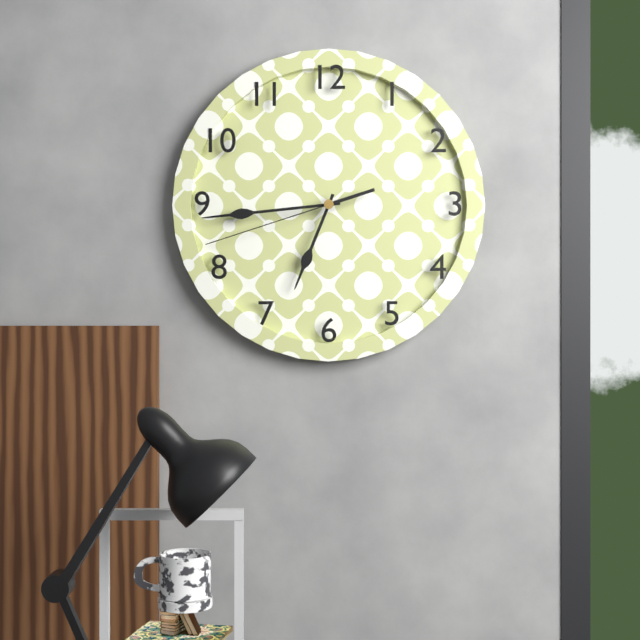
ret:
6.44.42
